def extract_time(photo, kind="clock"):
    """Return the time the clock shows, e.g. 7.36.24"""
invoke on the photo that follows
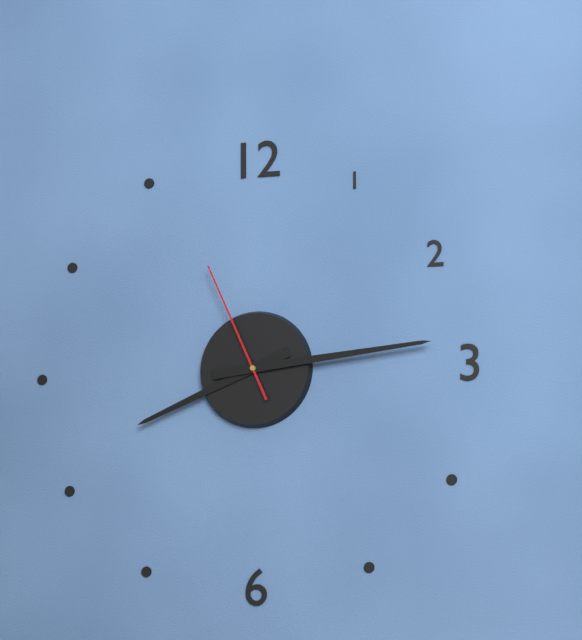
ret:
8.14.56
